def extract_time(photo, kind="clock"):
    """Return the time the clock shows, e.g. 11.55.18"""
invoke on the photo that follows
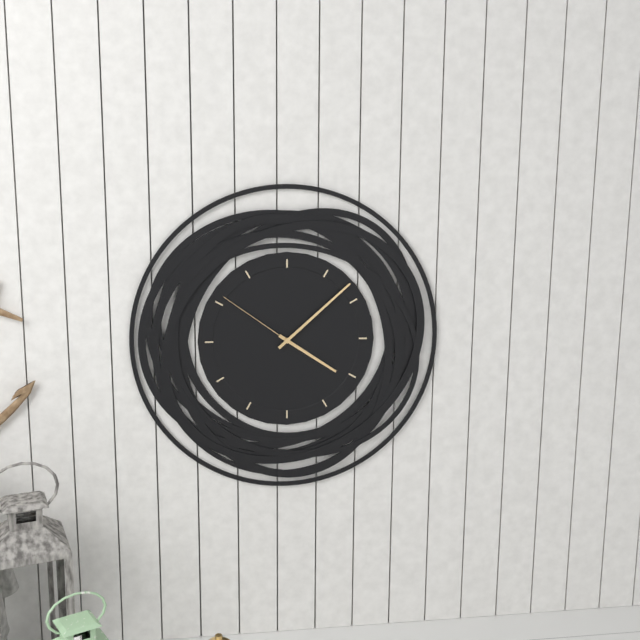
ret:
4.08.51
